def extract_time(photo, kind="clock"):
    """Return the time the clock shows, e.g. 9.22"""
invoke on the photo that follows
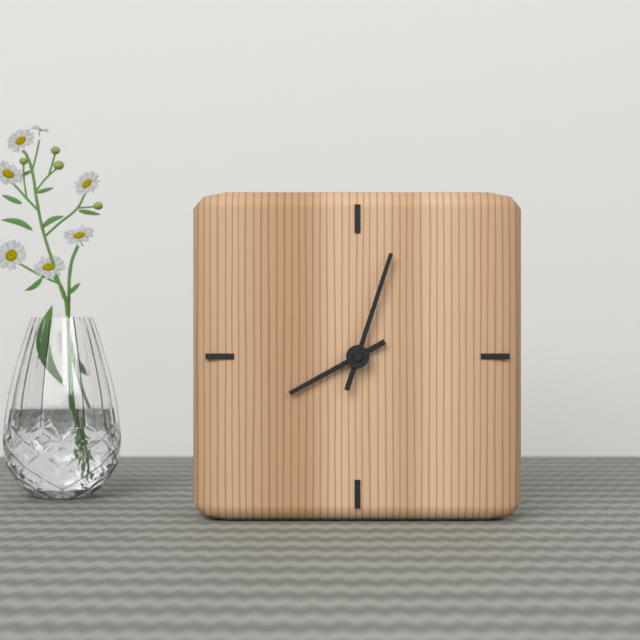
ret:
8.03
